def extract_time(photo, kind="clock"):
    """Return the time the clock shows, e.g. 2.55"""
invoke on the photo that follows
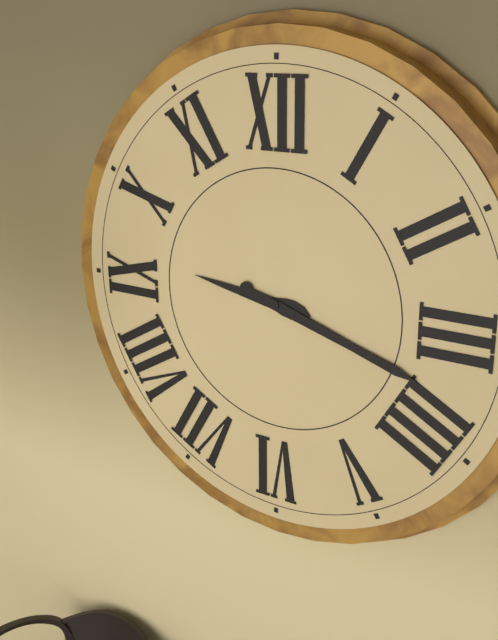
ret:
9.18
